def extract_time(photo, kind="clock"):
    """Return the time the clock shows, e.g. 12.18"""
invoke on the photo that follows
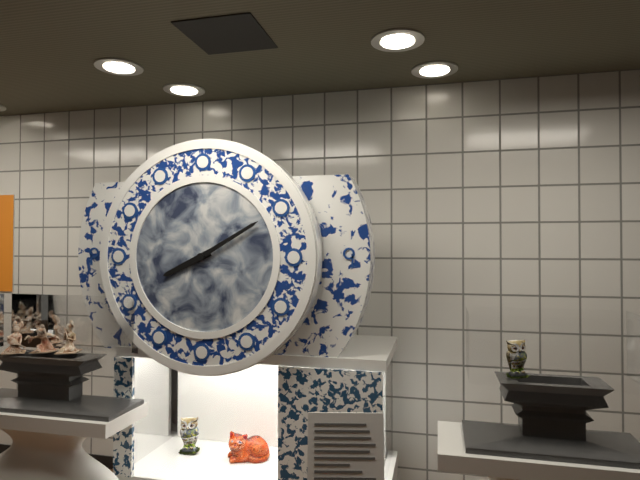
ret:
8.10
